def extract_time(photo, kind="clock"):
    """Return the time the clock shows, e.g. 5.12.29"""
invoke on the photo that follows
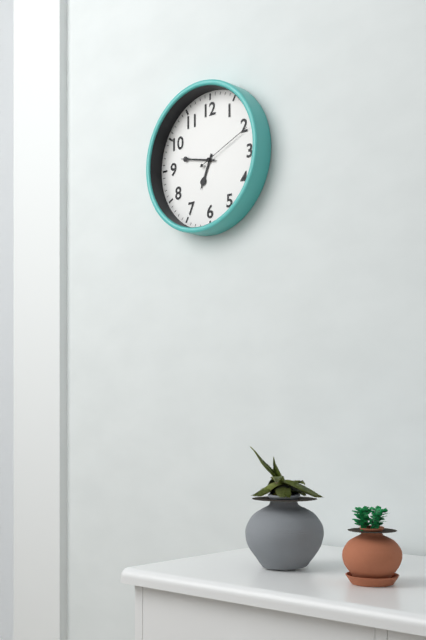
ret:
6.47.11
